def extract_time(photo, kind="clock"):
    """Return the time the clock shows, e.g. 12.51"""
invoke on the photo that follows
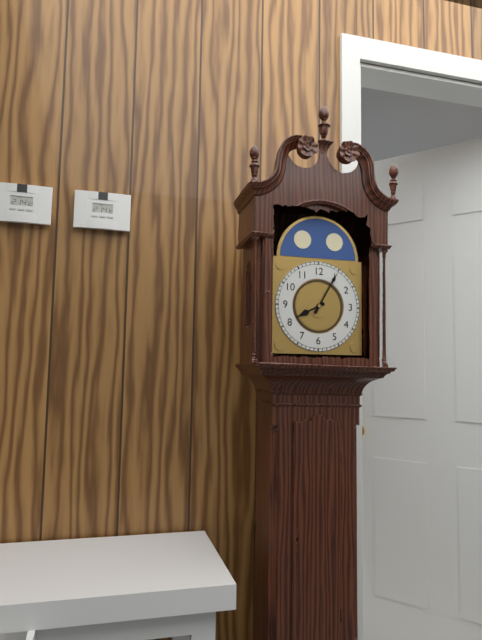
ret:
8.05
